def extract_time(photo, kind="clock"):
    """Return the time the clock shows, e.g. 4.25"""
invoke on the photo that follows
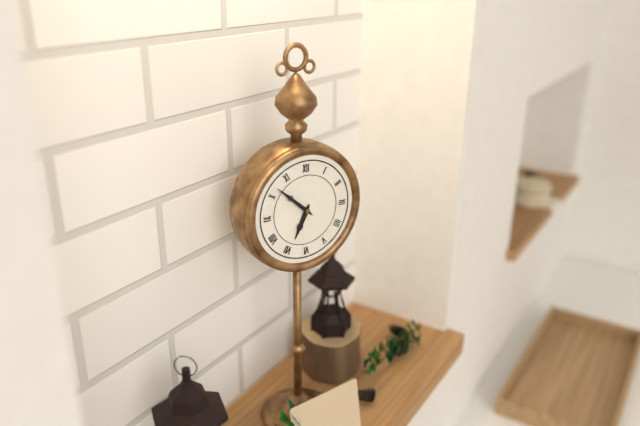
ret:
6.52
